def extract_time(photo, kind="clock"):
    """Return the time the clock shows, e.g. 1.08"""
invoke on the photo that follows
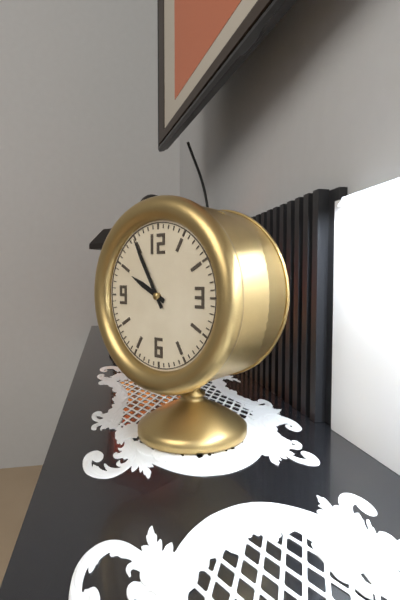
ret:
9.55
